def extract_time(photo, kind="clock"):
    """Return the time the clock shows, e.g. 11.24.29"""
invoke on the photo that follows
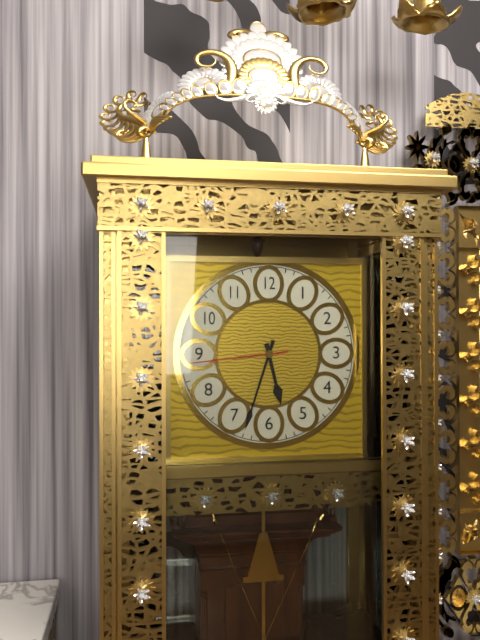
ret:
5.33.44
